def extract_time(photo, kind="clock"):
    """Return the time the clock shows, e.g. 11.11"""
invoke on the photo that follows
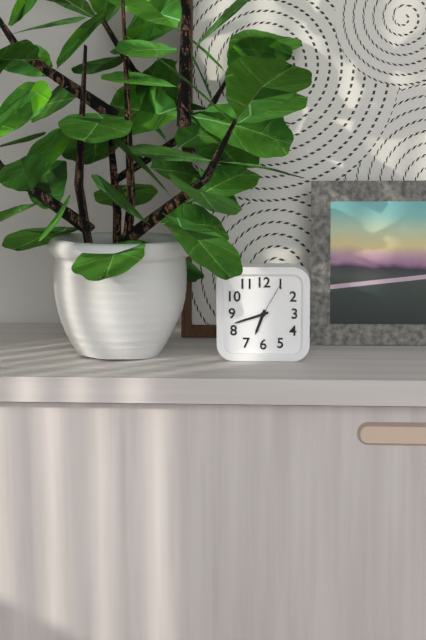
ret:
6.42
